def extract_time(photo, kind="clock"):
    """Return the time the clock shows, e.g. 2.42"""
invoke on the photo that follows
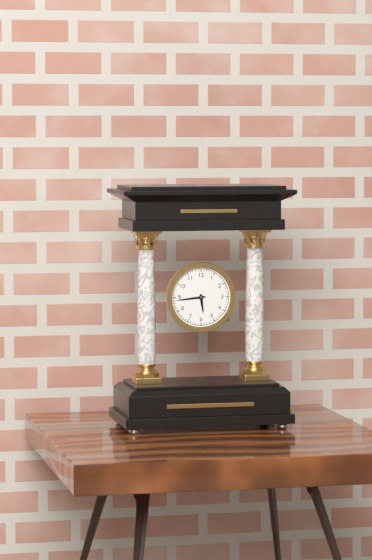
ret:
5.44
